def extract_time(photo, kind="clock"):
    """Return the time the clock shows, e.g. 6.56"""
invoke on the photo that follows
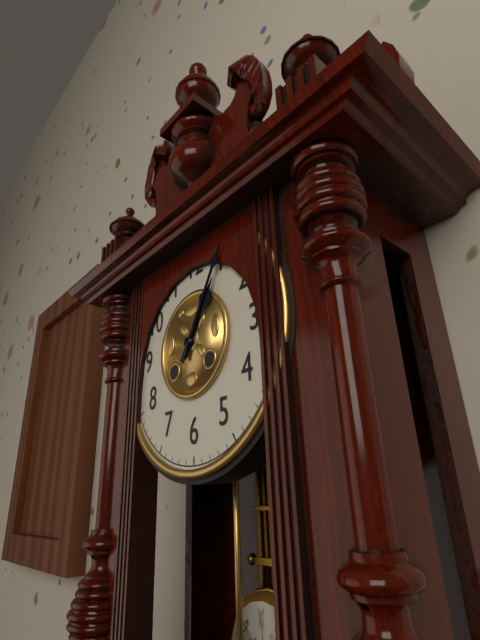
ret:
1.05
